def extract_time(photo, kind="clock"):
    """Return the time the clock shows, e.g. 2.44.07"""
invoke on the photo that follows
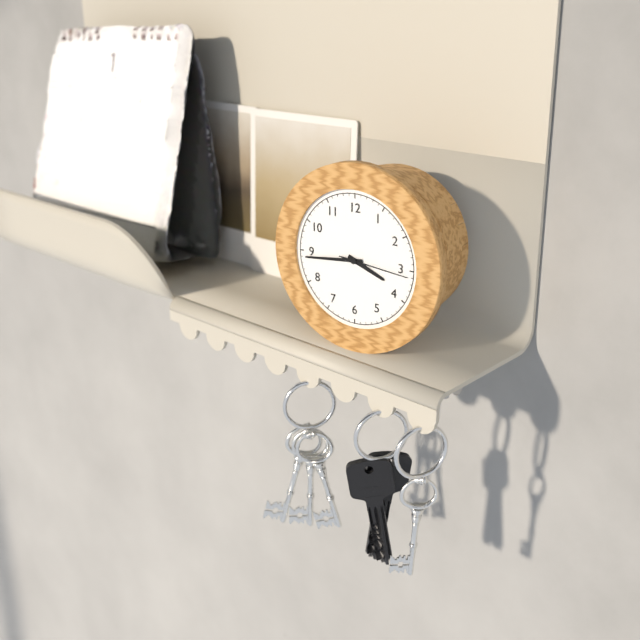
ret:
3.44.16
